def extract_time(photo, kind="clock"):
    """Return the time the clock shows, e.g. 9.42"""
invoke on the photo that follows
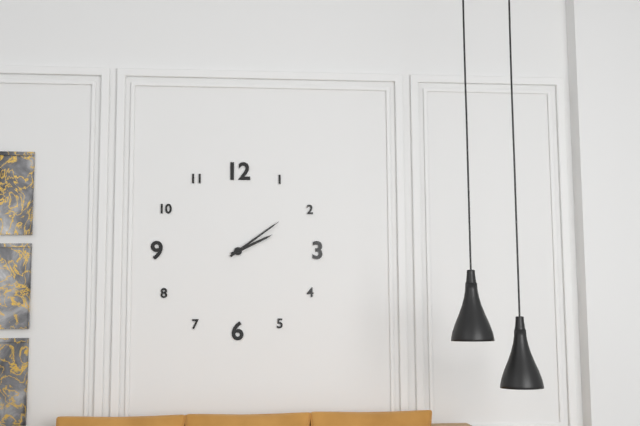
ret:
2.09
